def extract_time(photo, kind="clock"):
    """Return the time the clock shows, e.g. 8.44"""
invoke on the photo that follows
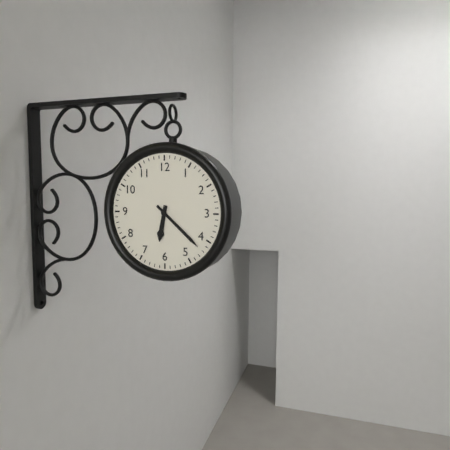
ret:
6.22
